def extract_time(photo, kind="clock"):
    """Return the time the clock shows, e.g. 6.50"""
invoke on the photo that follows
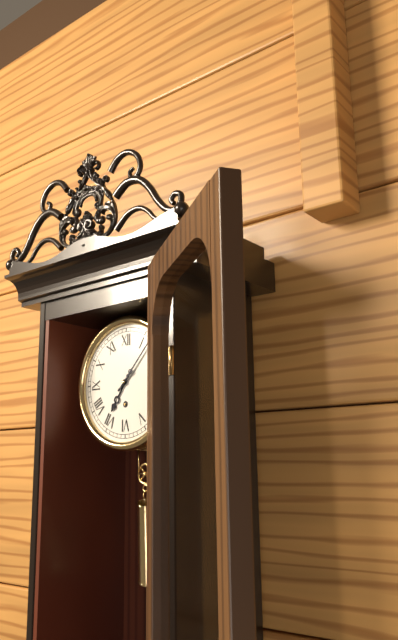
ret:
7.07
